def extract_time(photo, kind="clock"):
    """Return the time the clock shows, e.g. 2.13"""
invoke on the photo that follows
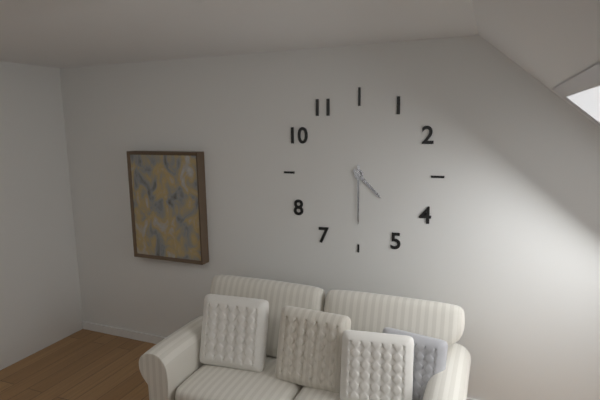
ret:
4.30
